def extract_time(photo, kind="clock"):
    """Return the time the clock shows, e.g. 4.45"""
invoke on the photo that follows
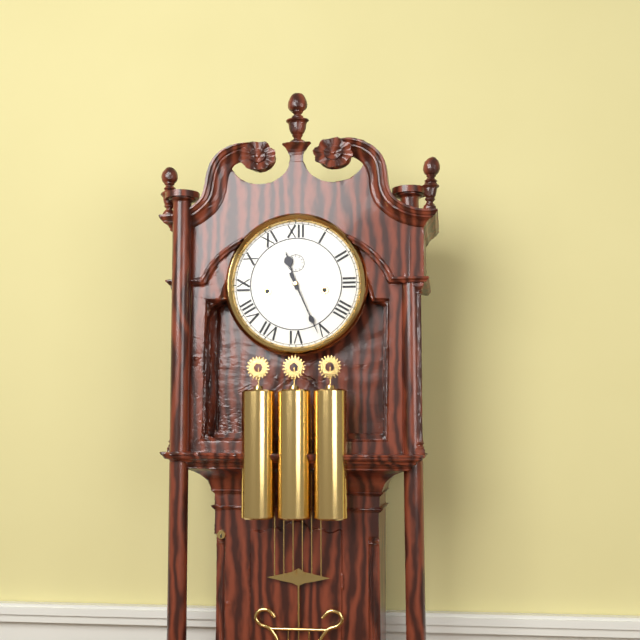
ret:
11.26
